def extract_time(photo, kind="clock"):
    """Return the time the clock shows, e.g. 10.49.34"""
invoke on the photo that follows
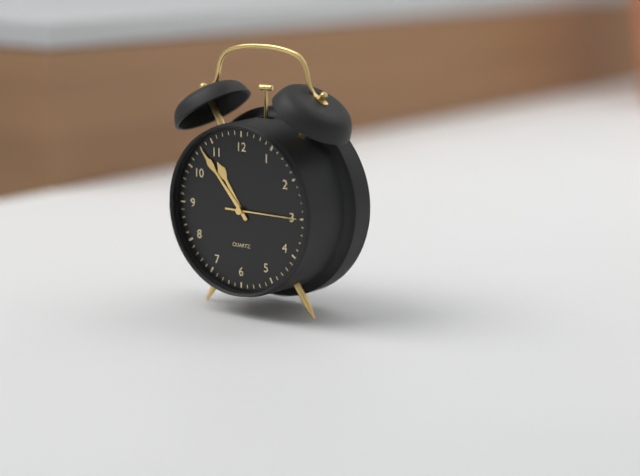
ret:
10.53.15
